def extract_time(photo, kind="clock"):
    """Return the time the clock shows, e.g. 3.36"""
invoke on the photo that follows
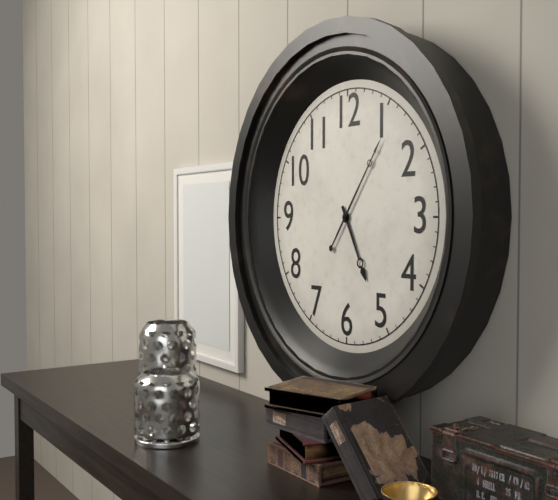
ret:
5.06
